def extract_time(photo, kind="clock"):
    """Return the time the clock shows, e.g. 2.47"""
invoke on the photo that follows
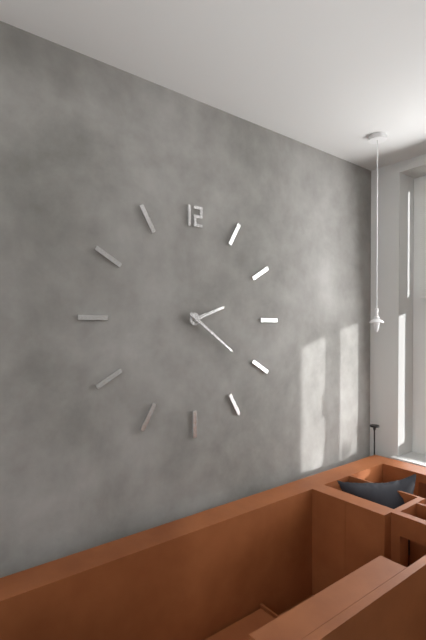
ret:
2.21
